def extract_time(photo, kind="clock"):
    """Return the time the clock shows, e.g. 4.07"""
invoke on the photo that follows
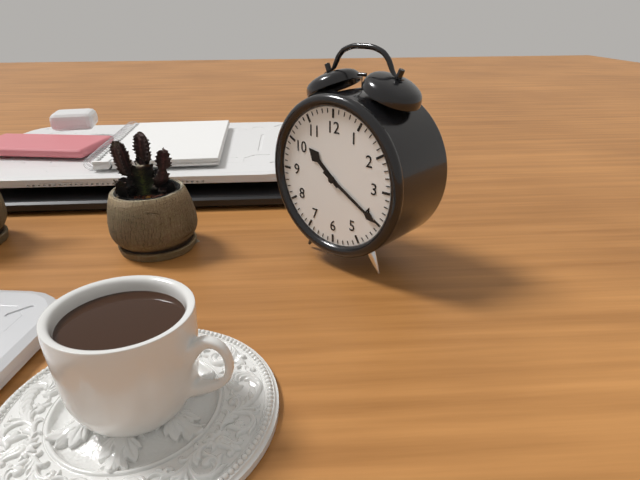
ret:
10.20
